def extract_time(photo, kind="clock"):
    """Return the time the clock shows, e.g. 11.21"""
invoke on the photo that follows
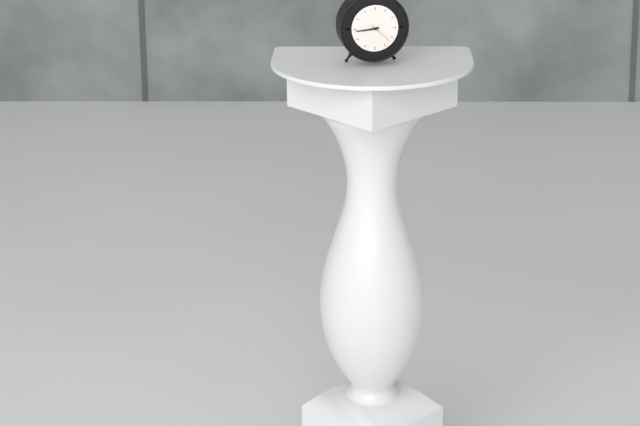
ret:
8.44
